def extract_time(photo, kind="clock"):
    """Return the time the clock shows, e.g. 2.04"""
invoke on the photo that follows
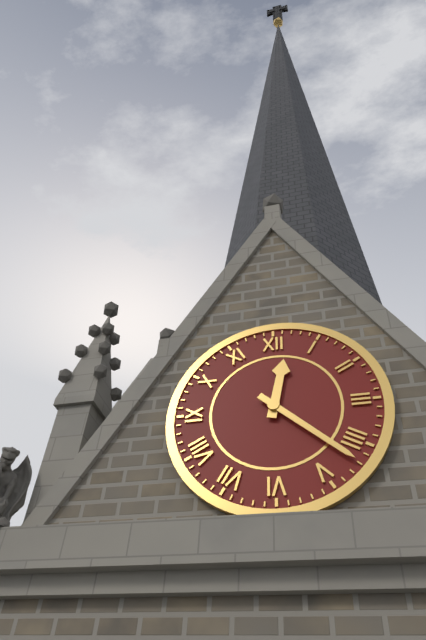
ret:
12.22
